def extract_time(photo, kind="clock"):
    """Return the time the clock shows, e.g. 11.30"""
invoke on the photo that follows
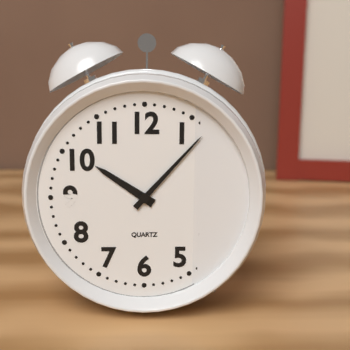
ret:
10.07
